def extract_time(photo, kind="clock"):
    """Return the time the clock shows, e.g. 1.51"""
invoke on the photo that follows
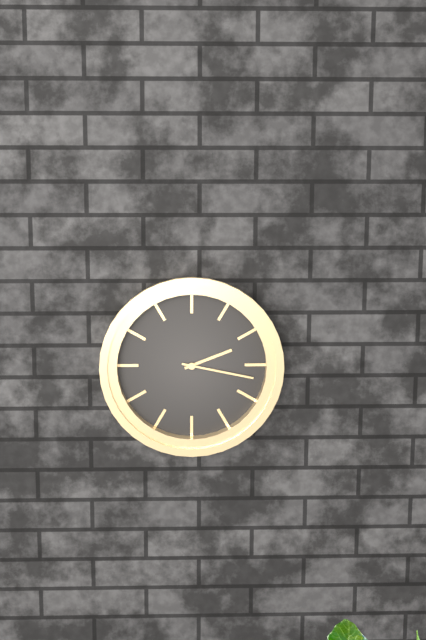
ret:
2.17
